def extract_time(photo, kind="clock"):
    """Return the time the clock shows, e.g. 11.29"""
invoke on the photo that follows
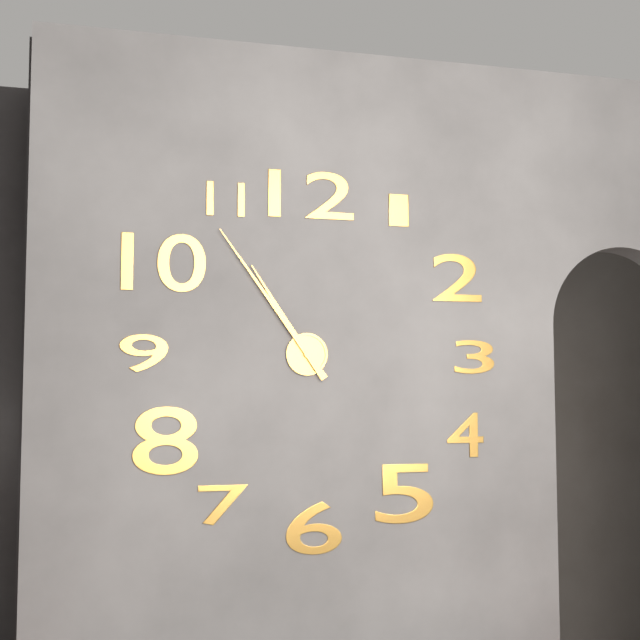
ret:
10.54
